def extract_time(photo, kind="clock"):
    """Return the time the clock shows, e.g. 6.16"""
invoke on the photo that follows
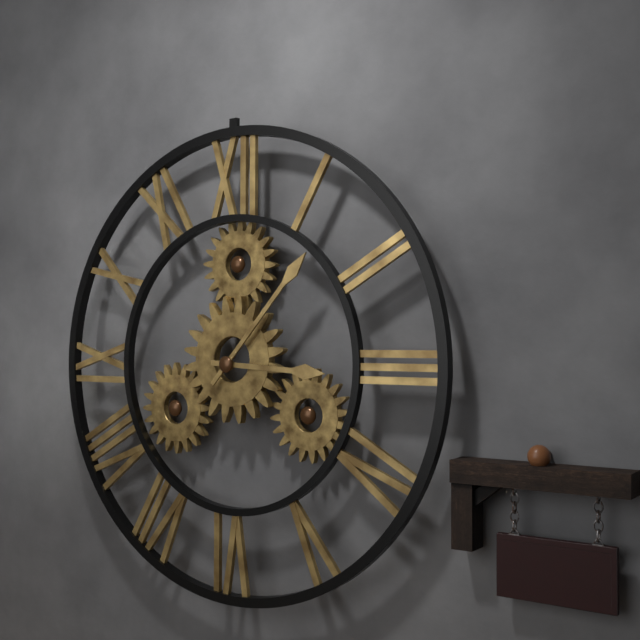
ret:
3.07
